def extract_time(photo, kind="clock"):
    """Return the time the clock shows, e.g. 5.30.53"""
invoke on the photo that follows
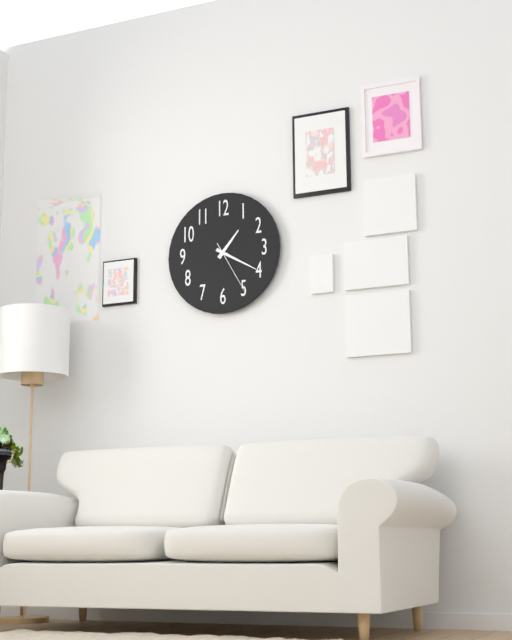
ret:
1.20.25
